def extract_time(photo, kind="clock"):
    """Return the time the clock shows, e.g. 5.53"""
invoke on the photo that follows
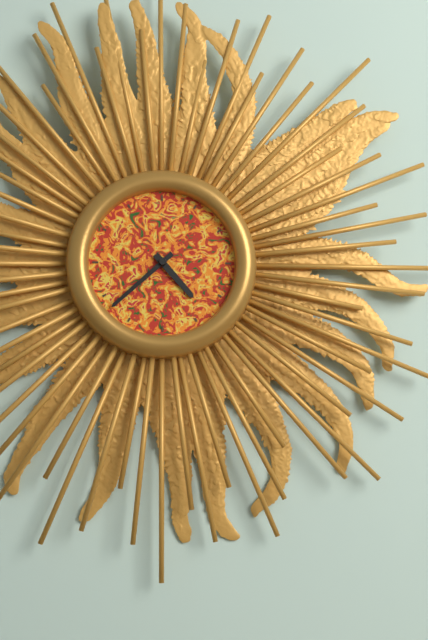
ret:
4.38
